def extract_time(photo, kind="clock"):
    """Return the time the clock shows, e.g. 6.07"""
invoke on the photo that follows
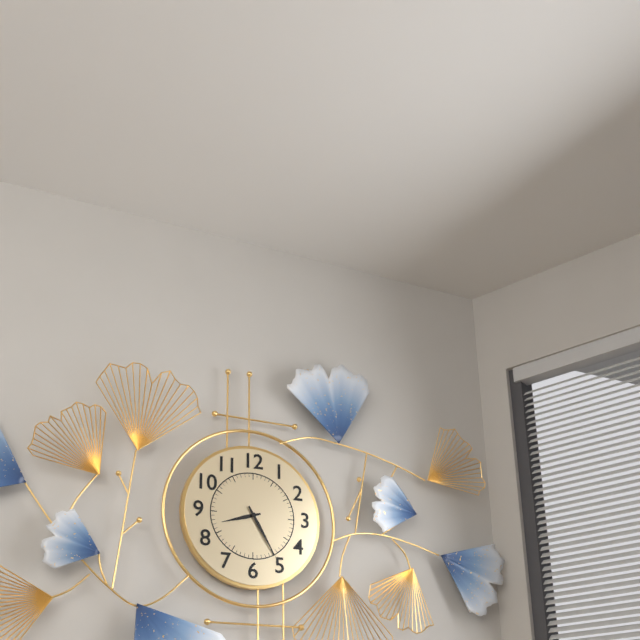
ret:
8.25
